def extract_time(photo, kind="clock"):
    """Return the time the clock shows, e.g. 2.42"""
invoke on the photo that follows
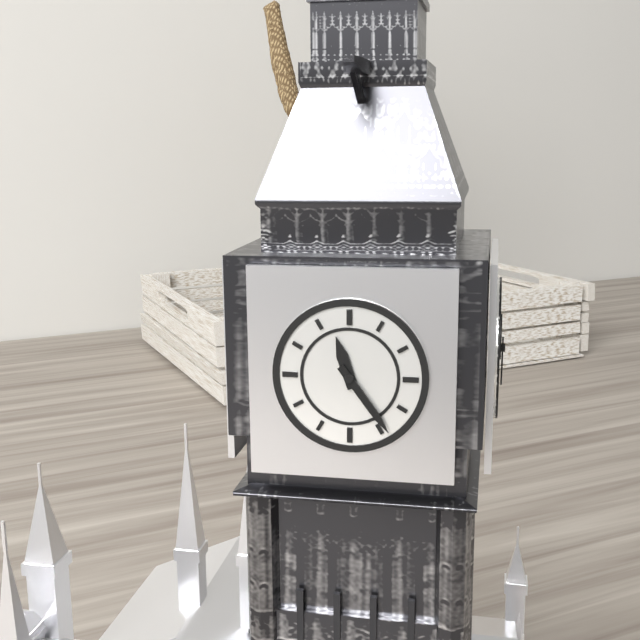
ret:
11.24
